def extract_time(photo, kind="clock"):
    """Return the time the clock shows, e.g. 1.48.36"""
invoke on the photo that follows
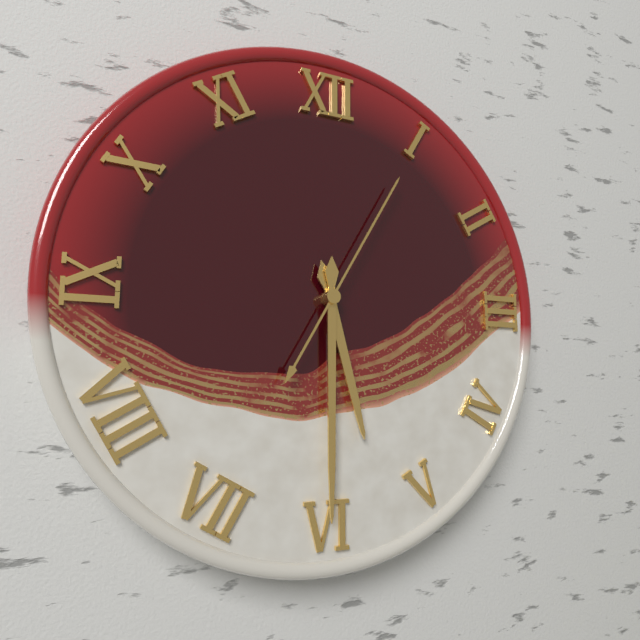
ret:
5.30.05
